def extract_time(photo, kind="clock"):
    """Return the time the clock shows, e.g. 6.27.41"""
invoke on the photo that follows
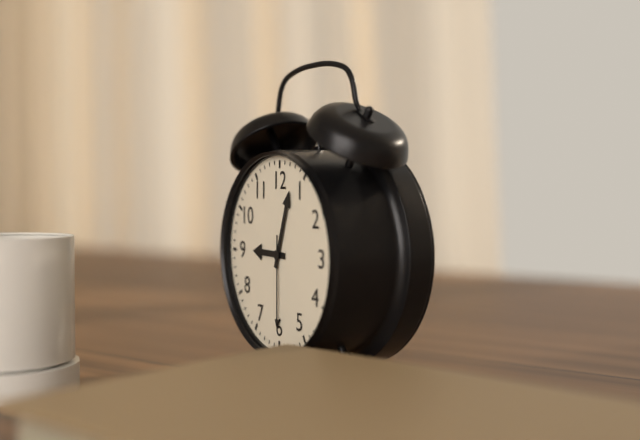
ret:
9.03.30
